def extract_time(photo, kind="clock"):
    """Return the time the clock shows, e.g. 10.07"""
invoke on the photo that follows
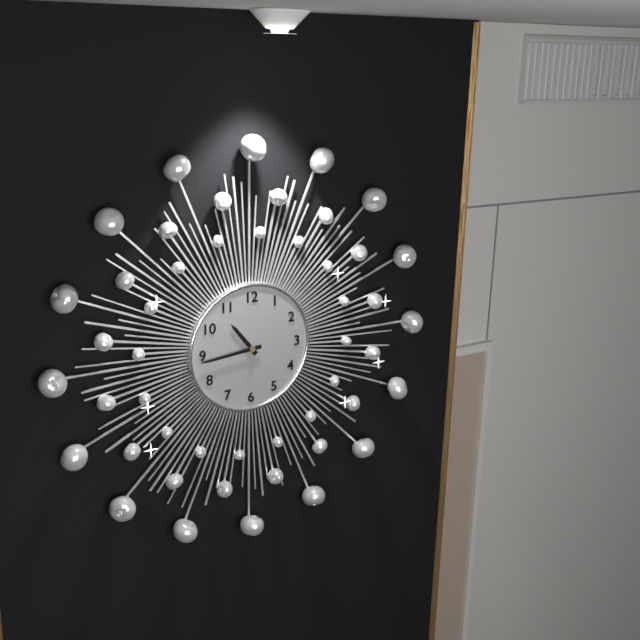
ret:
10.44
